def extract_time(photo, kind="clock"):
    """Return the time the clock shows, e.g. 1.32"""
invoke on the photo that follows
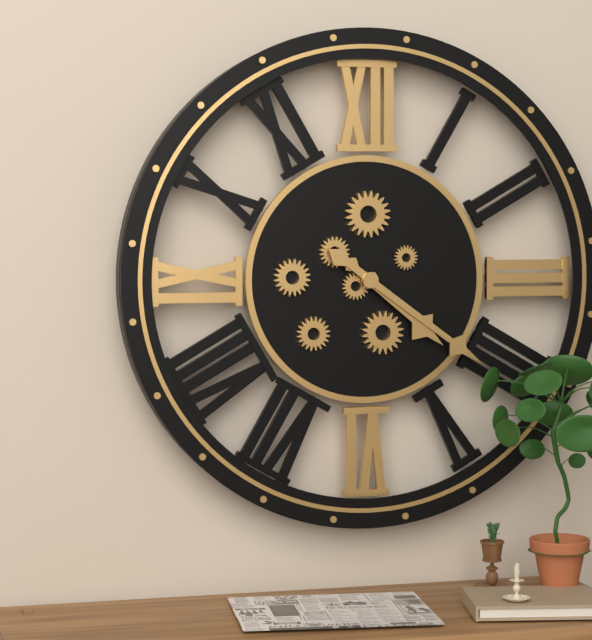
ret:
4.21
